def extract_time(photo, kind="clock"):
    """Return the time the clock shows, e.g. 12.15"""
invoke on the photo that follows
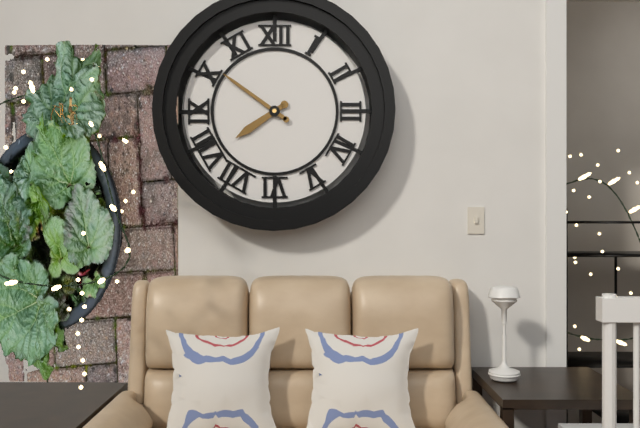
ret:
7.51
